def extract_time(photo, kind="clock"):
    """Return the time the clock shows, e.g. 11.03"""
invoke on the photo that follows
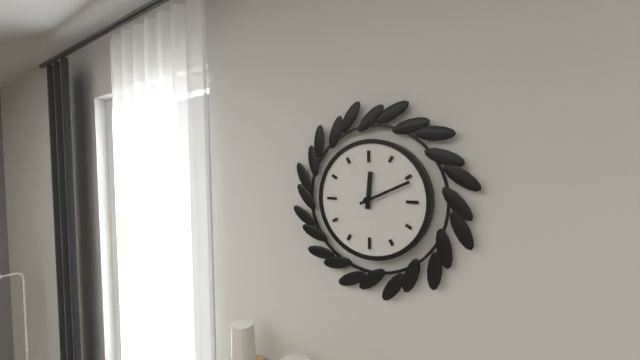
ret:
12.11
